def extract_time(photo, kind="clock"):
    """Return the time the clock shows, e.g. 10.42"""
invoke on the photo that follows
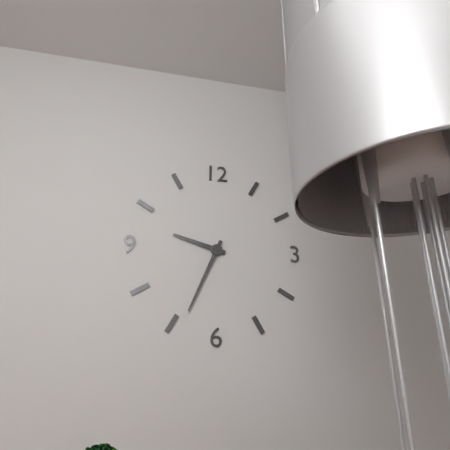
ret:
9.34
